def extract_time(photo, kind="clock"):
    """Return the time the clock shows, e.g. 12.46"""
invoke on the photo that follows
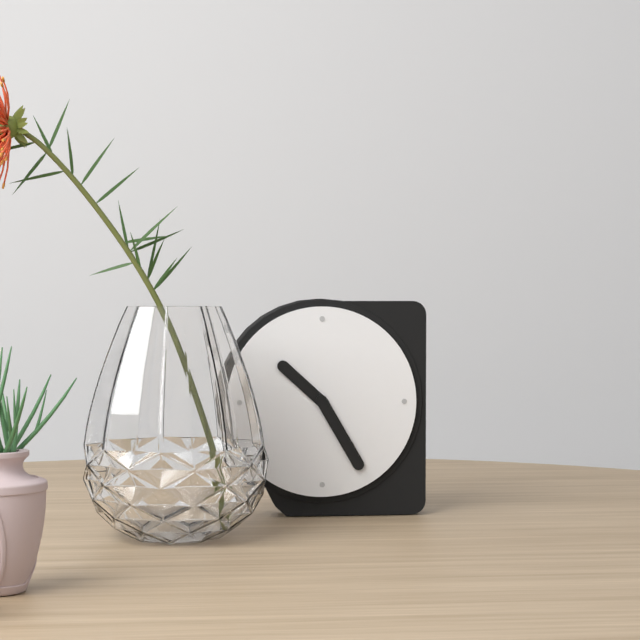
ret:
10.25
